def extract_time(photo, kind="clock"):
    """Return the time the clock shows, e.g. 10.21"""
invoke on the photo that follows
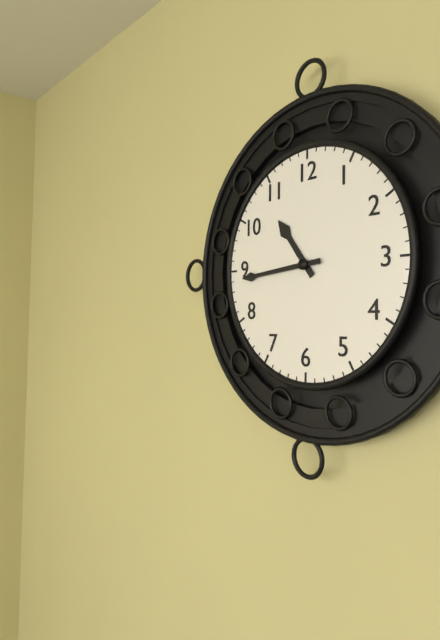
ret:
10.44
